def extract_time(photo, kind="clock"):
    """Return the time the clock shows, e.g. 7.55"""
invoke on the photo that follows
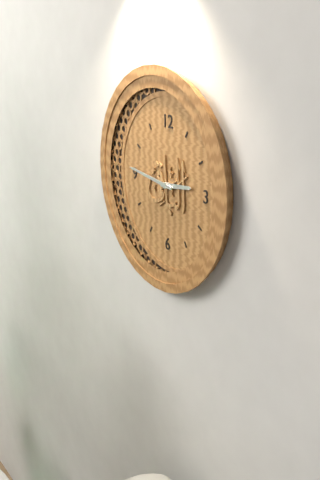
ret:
2.46
